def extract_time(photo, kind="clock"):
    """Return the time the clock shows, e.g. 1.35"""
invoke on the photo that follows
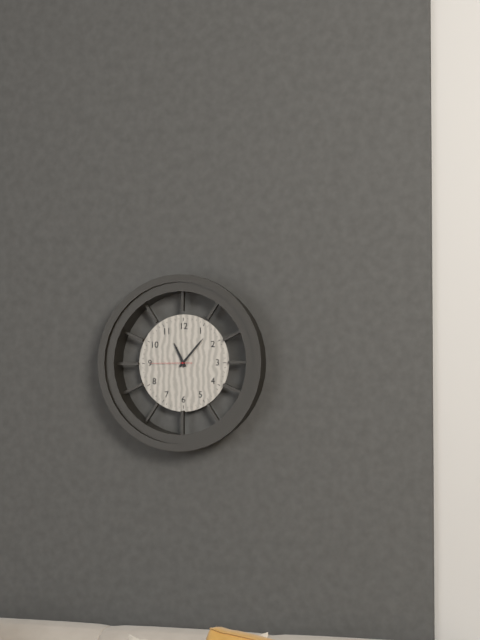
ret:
11.07
